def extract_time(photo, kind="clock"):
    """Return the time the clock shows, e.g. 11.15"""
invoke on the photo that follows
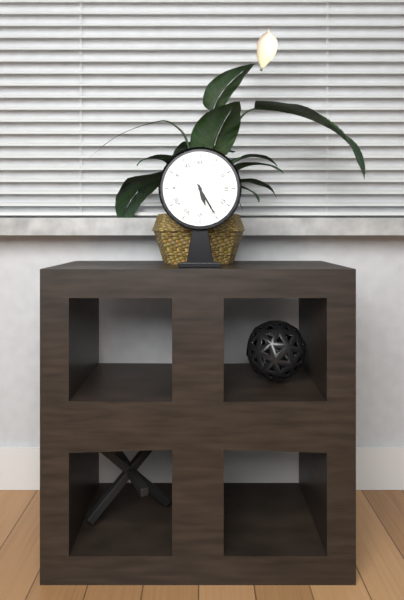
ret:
5.25
